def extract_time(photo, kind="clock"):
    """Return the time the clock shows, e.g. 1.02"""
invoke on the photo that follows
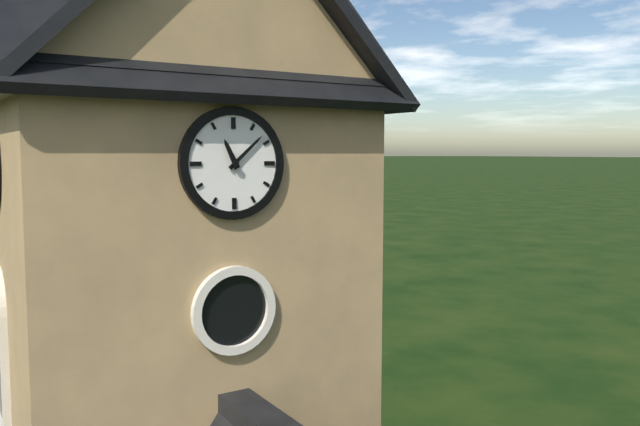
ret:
11.08
